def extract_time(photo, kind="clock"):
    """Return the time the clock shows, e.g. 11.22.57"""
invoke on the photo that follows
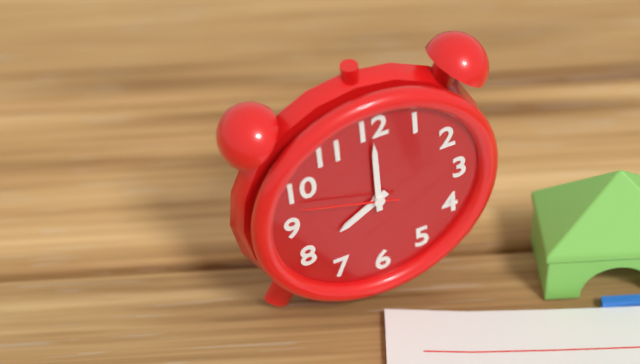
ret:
8.00.48
